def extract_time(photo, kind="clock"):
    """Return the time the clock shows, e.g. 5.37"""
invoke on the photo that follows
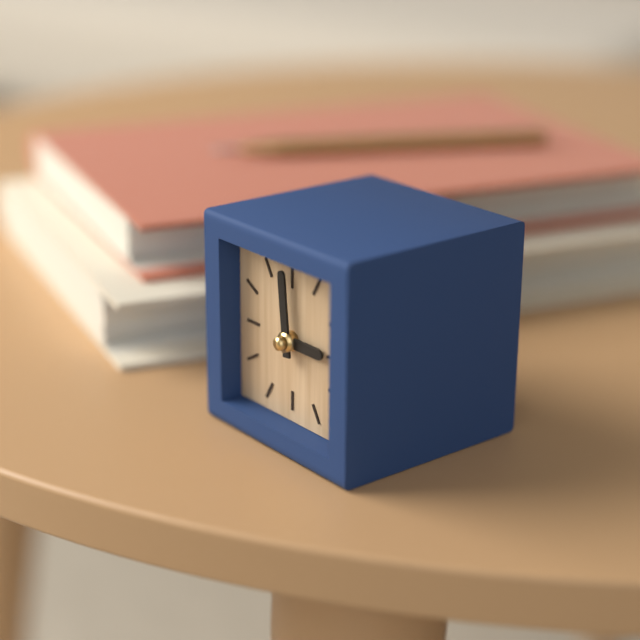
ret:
2.59
